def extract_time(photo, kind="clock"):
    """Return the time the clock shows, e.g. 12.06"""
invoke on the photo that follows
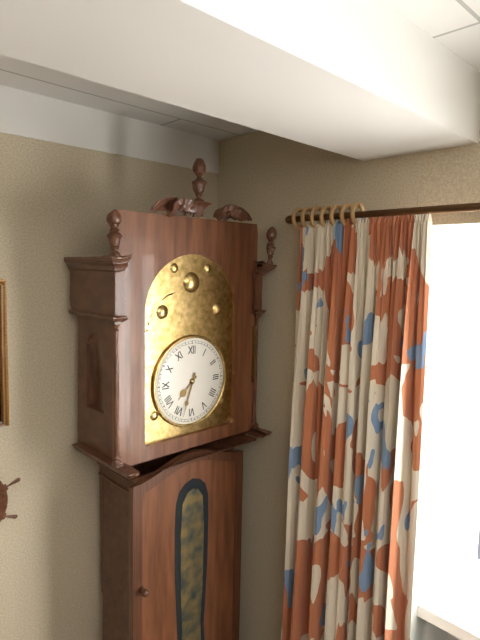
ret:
7.33
